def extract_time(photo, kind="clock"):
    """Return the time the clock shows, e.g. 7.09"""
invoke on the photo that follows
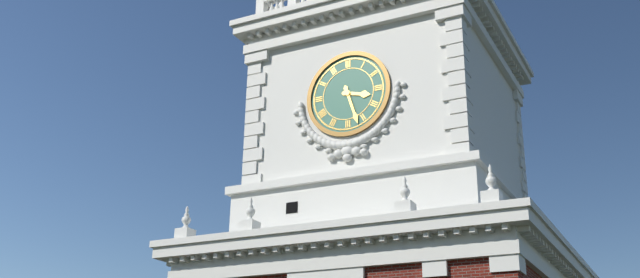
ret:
3.27
